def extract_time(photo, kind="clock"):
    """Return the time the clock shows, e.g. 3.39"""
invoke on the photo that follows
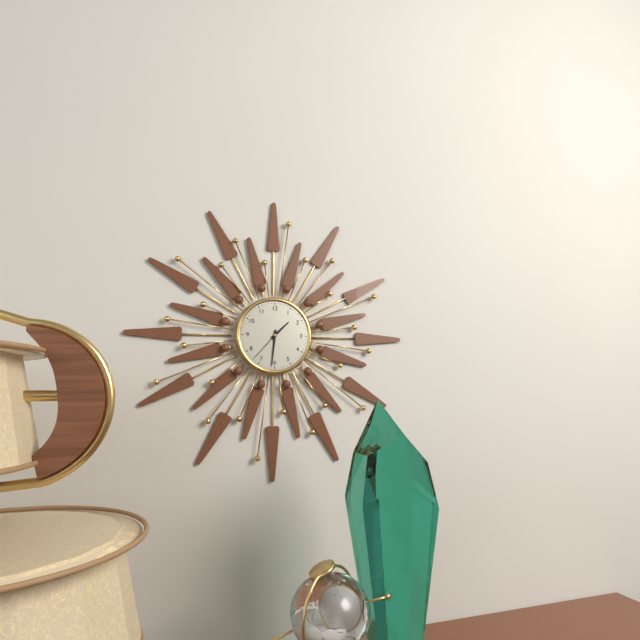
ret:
1.31
